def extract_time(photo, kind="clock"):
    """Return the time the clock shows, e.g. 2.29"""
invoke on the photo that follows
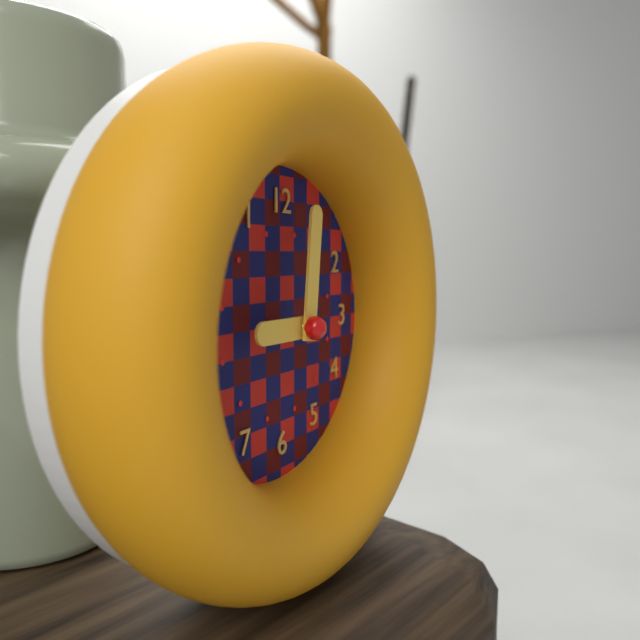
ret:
9.01
